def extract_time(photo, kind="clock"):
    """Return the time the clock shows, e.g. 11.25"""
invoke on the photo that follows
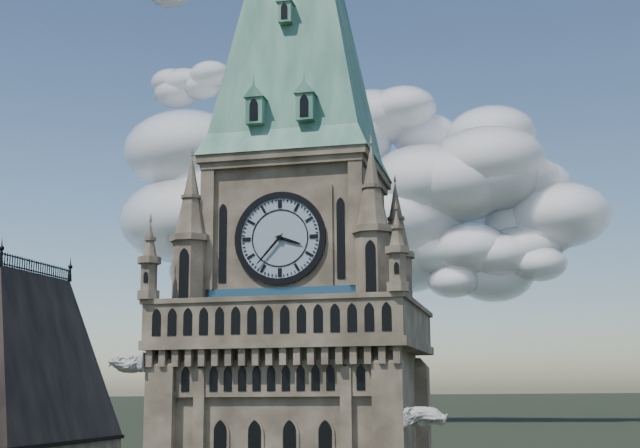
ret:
3.37
